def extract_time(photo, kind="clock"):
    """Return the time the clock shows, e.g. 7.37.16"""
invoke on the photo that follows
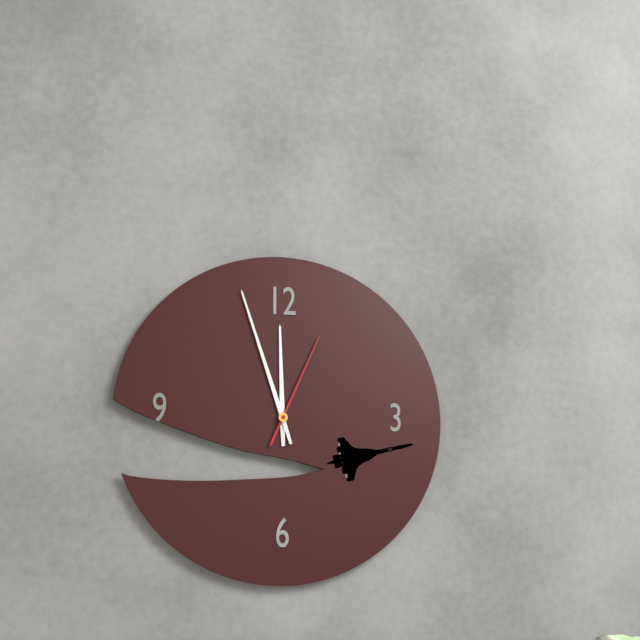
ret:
11.57.04
